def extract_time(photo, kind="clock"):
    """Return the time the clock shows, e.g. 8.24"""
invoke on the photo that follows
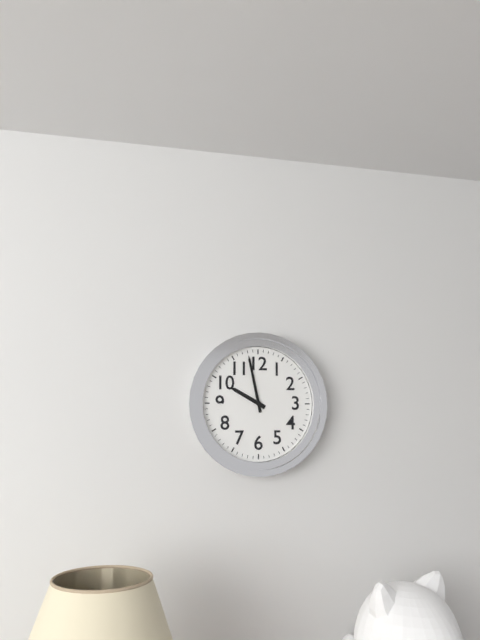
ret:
9.58
